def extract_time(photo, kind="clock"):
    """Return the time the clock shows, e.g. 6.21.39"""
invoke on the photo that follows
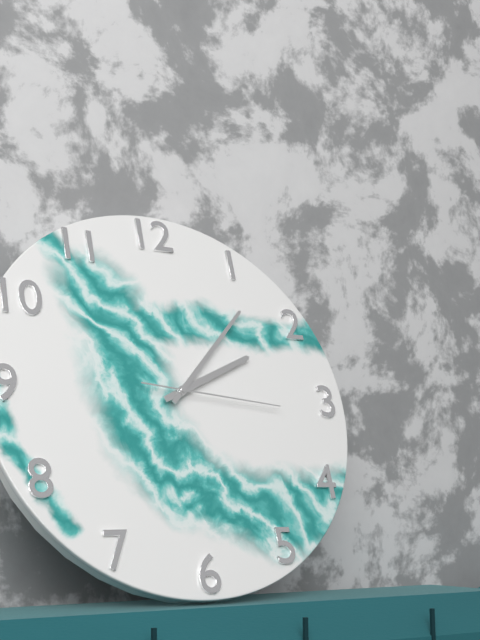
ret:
2.07.16
